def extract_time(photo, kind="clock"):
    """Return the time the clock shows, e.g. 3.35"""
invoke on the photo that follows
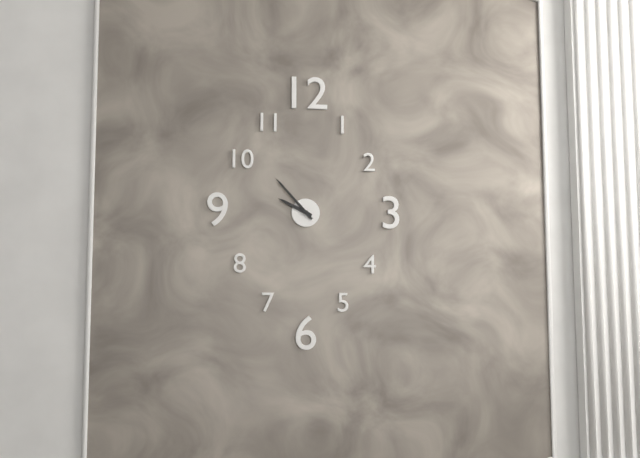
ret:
9.53
